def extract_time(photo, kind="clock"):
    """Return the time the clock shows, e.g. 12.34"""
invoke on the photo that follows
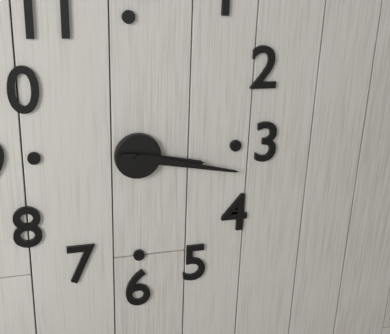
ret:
3.17
